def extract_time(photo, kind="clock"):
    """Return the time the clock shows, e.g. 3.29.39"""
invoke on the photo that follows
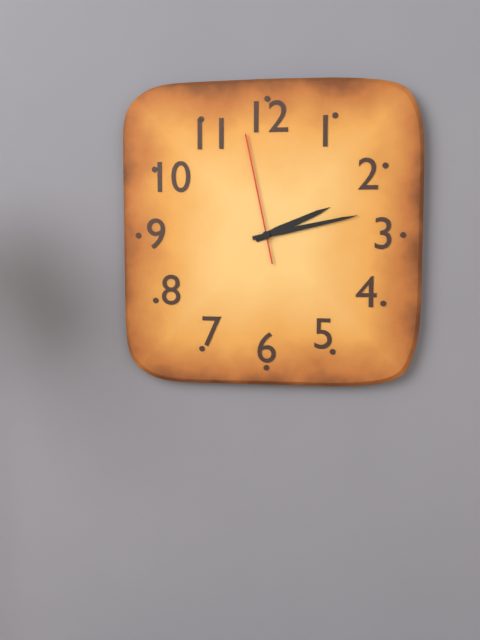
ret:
2.13.58
